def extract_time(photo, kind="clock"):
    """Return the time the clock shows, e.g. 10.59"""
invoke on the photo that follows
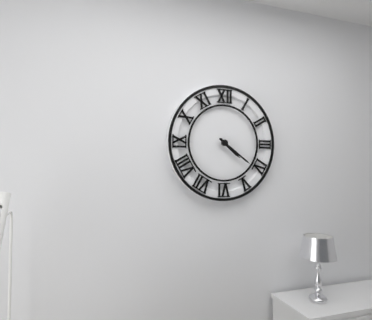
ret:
4.21
